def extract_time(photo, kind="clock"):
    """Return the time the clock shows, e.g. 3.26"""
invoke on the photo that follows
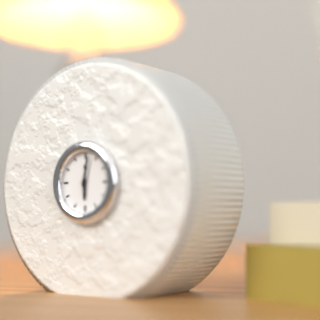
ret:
6.02
